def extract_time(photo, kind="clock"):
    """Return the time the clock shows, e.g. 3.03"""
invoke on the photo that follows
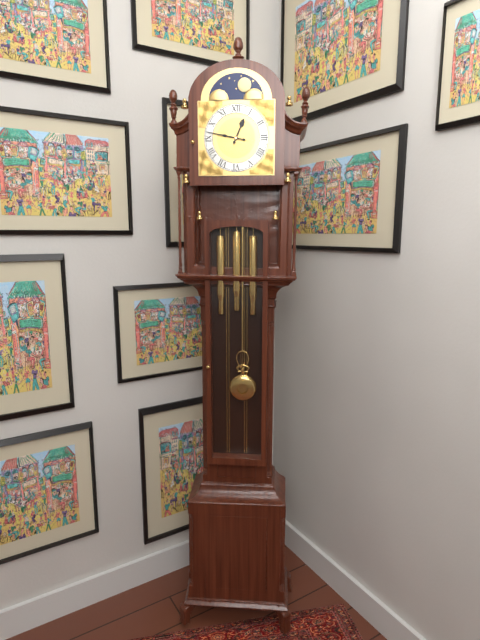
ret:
12.47
